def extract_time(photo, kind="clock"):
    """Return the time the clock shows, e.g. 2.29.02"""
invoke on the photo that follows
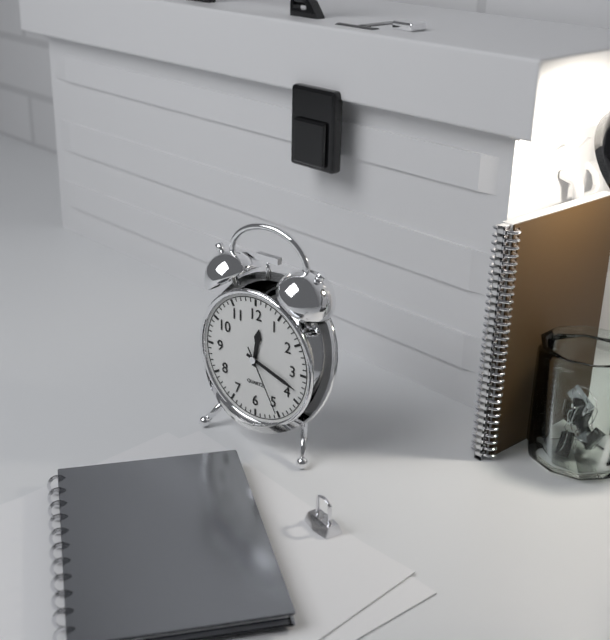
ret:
12.18.25
